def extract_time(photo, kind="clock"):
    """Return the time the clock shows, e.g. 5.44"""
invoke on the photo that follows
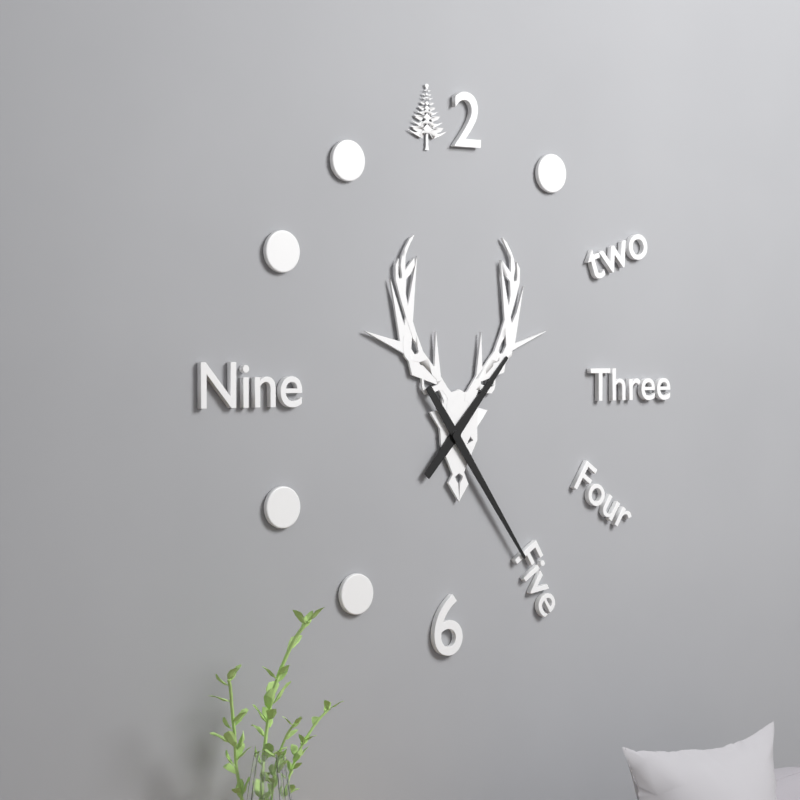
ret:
1.24
